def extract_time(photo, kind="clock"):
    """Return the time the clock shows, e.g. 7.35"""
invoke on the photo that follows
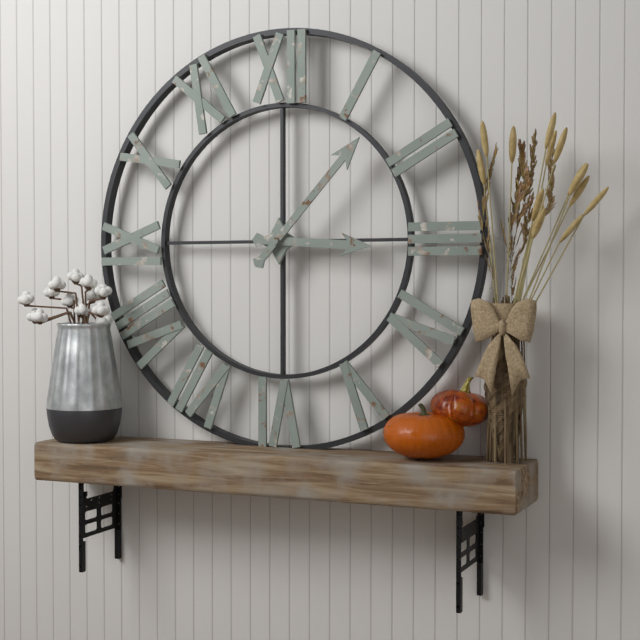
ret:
3.07
